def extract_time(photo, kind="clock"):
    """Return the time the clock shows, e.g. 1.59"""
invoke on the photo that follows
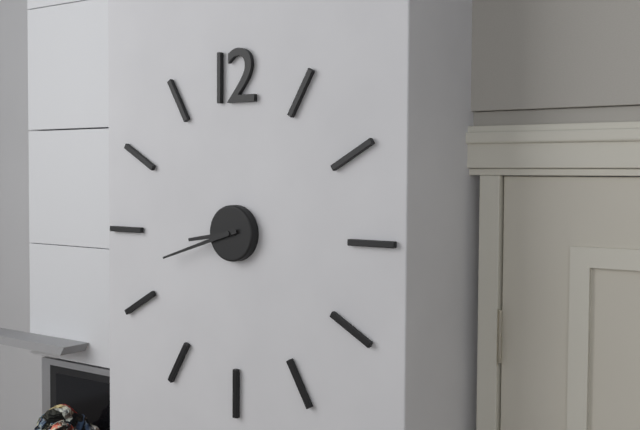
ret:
8.42
